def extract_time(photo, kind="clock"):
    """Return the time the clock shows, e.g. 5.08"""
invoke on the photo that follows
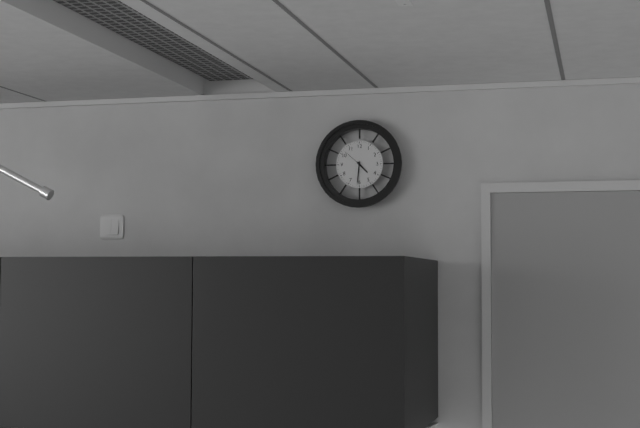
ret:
4.31
